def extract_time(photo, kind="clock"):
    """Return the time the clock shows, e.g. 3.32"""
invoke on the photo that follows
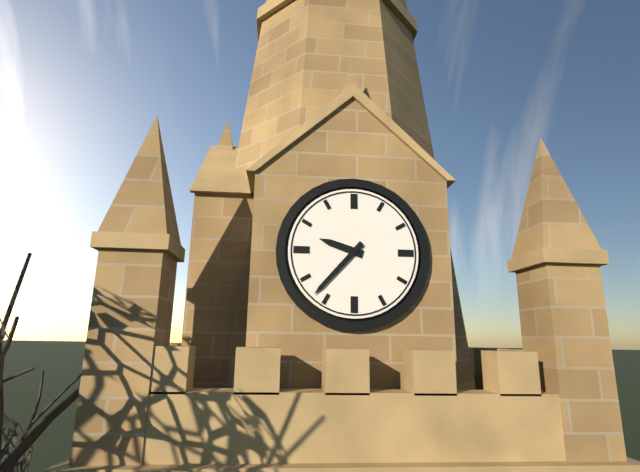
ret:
9.37
